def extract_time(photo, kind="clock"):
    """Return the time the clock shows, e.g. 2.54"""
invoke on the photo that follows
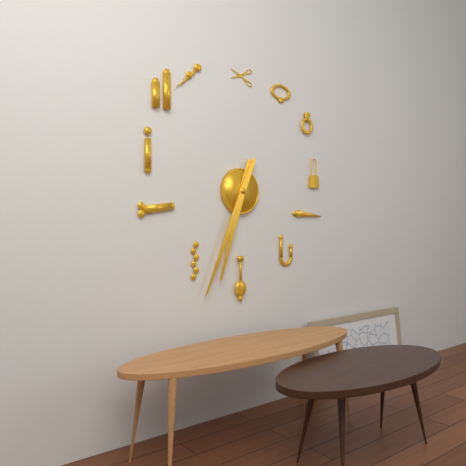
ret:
6.34
